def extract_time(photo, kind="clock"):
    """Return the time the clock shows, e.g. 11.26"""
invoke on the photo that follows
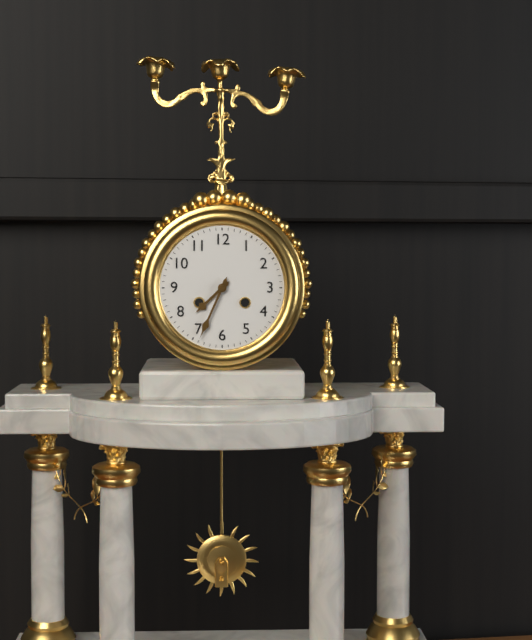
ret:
7.34
